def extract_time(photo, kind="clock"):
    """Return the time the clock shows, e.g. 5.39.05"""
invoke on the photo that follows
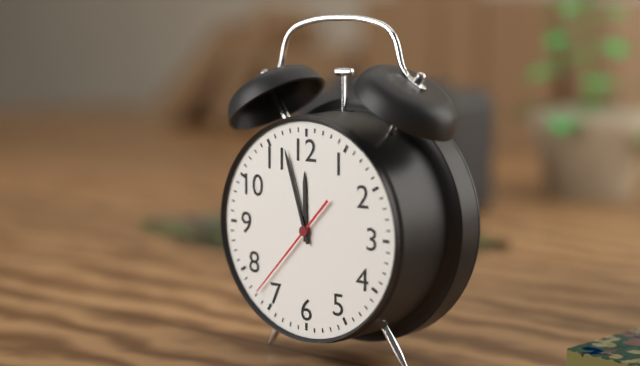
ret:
11.57.37
